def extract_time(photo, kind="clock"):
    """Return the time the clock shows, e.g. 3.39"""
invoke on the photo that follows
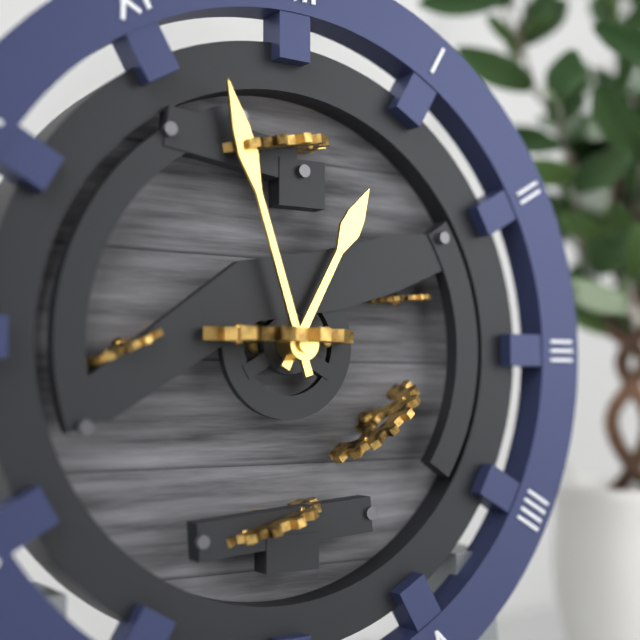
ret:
12.57
